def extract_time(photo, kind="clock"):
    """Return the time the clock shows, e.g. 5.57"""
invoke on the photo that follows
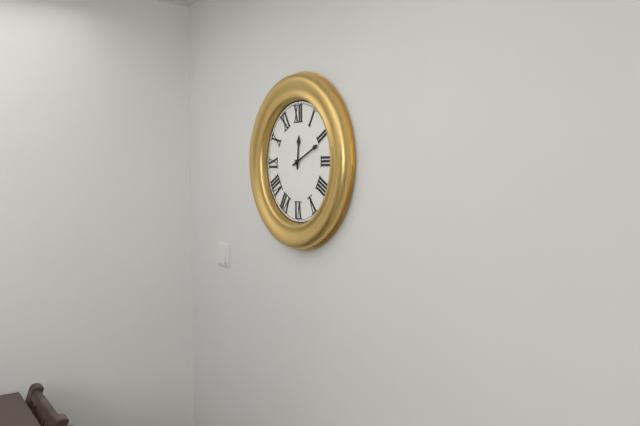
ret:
12.11
